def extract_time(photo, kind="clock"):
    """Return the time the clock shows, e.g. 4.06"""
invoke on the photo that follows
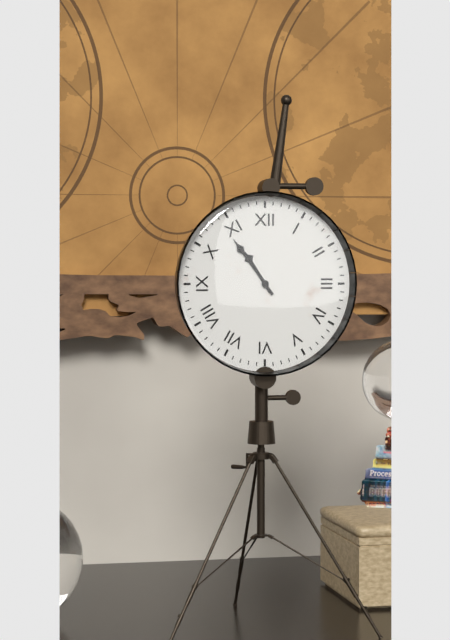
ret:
10.54
